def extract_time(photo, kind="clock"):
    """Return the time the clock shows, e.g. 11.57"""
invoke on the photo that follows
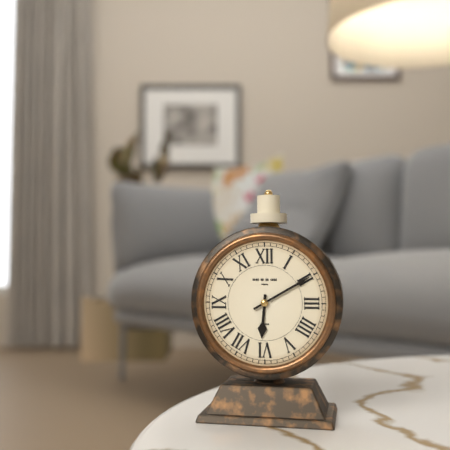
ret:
6.10
